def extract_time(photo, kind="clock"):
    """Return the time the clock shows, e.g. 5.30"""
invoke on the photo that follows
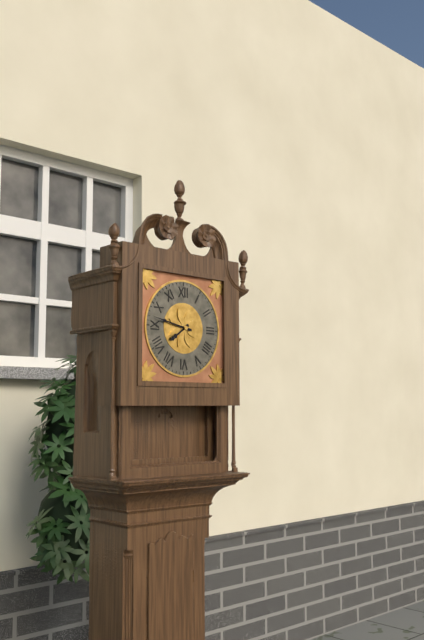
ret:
7.47
